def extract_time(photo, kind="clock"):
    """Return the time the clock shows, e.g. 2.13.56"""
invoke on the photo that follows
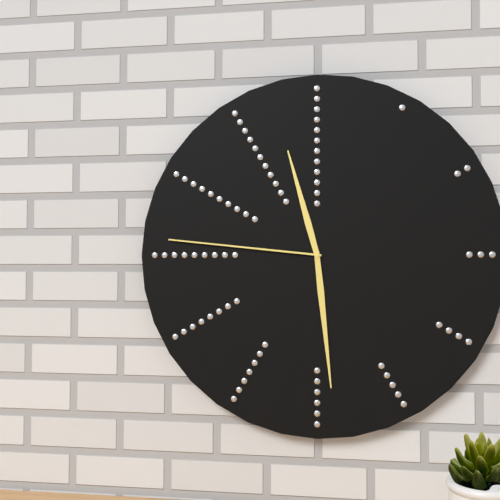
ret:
11.29.46
